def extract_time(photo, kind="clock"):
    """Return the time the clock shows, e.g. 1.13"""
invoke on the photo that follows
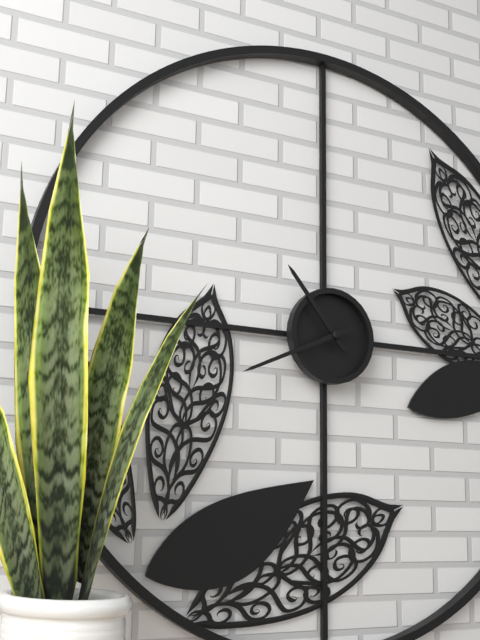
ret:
10.41
